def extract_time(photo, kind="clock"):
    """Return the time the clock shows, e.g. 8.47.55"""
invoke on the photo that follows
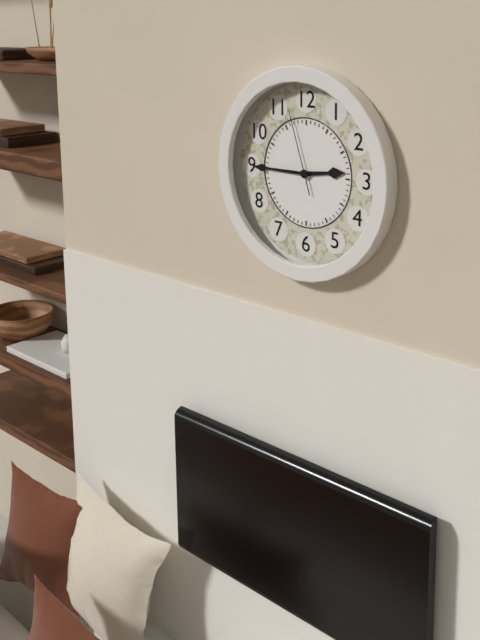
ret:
2.45.57
